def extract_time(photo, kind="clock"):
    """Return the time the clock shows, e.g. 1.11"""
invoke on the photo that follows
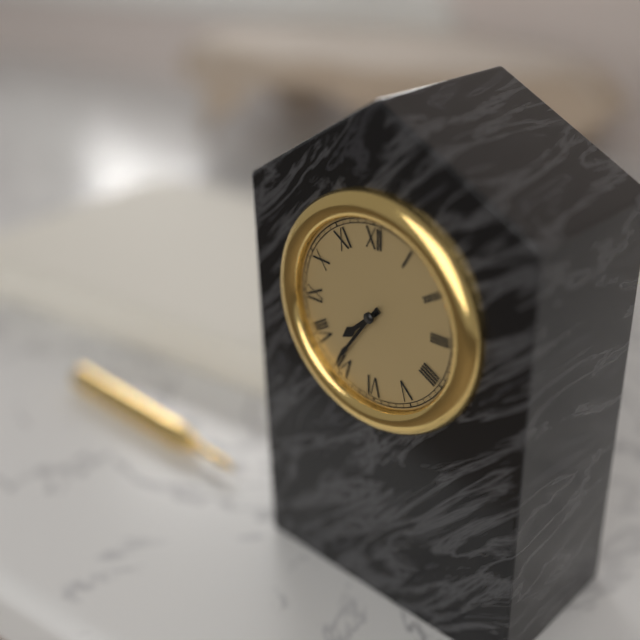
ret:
7.36
